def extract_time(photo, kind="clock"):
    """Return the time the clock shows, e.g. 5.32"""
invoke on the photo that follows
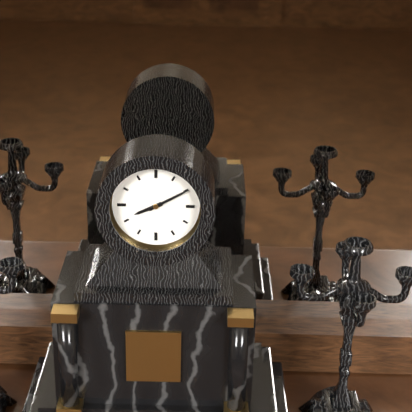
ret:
8.10
